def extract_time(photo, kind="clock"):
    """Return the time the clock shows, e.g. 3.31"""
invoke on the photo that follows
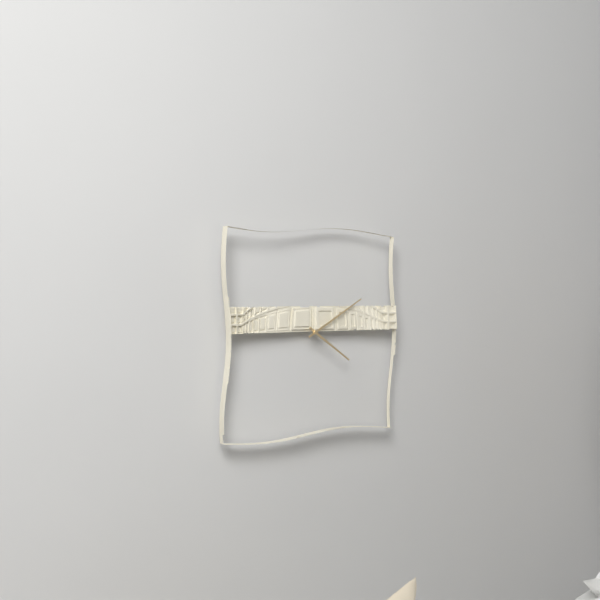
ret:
4.10
